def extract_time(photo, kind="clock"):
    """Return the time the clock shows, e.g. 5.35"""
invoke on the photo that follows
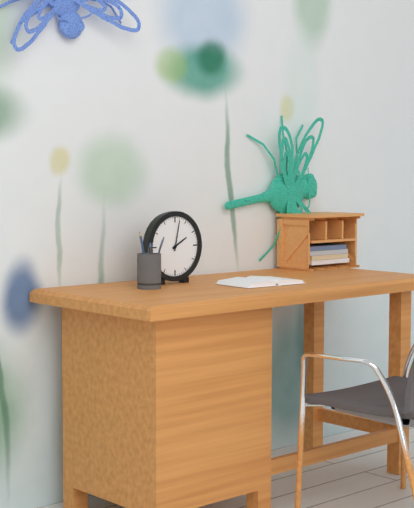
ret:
2.02
